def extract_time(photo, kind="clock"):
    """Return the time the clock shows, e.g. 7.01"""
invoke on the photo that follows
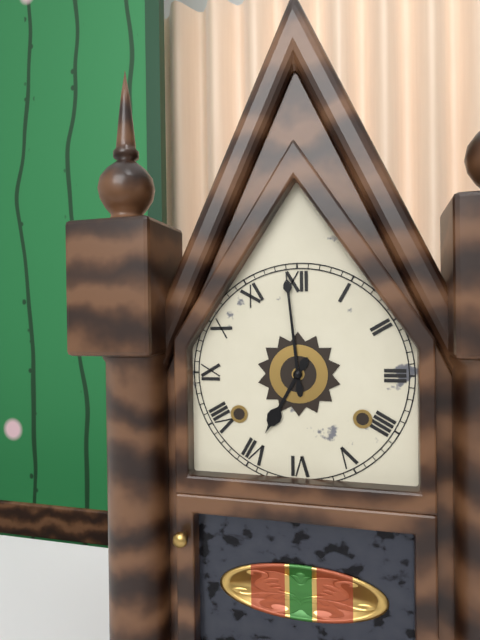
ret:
6.59
